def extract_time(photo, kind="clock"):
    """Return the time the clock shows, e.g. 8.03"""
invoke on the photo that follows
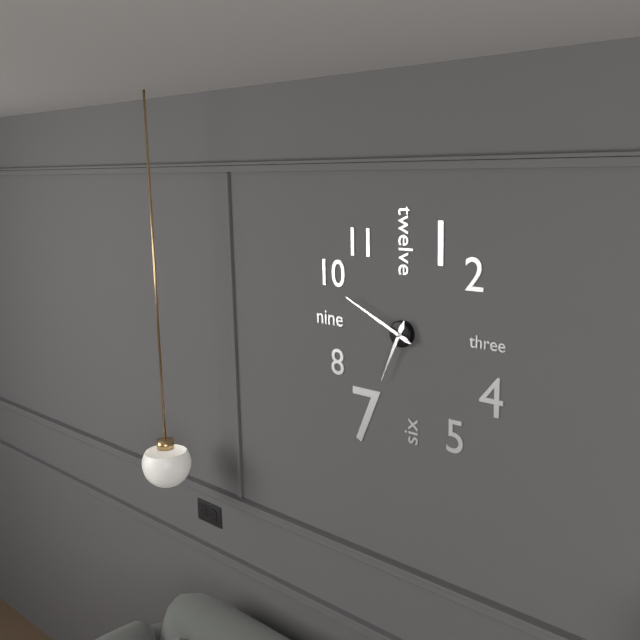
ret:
6.49
